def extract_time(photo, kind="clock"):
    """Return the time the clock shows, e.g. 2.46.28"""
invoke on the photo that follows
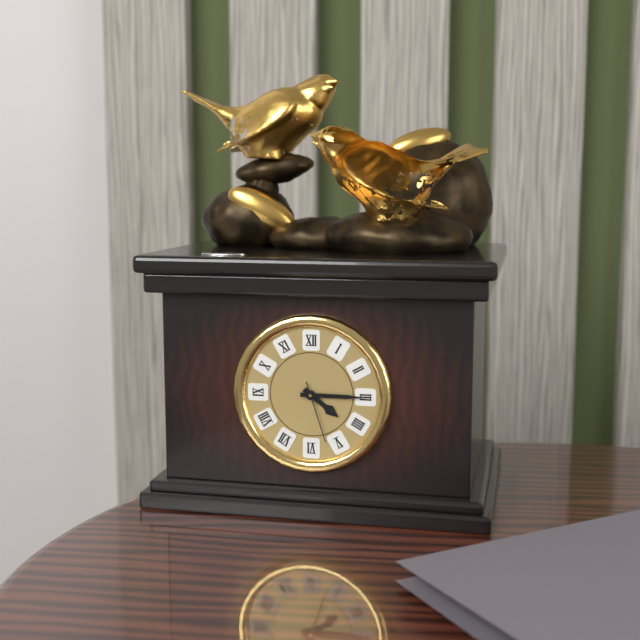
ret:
4.15.27
